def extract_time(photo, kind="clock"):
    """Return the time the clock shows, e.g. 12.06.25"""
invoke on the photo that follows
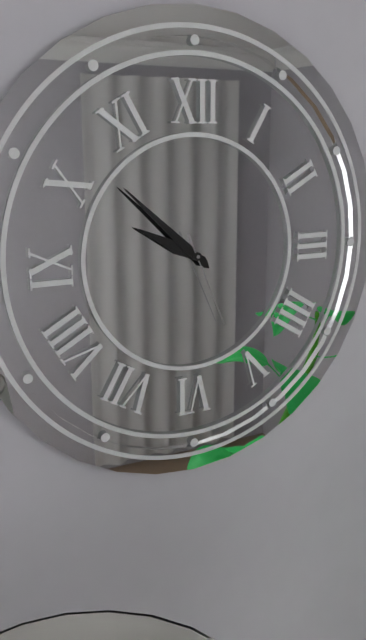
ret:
9.52.26
